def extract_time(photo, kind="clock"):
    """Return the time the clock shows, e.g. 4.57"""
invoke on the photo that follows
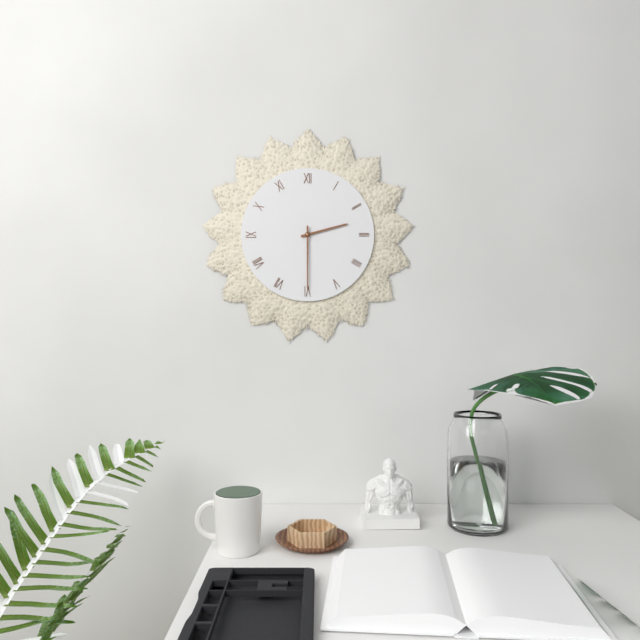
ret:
2.30
